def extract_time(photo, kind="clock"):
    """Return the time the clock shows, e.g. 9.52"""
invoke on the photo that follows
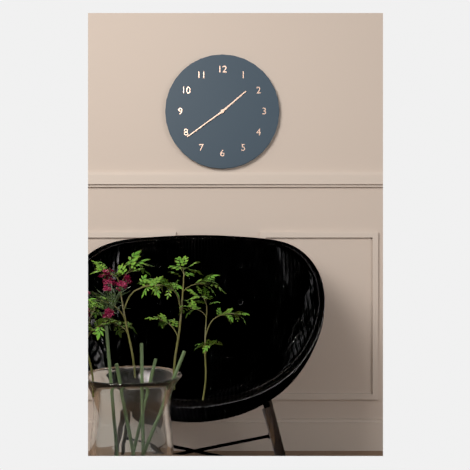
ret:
1.39
